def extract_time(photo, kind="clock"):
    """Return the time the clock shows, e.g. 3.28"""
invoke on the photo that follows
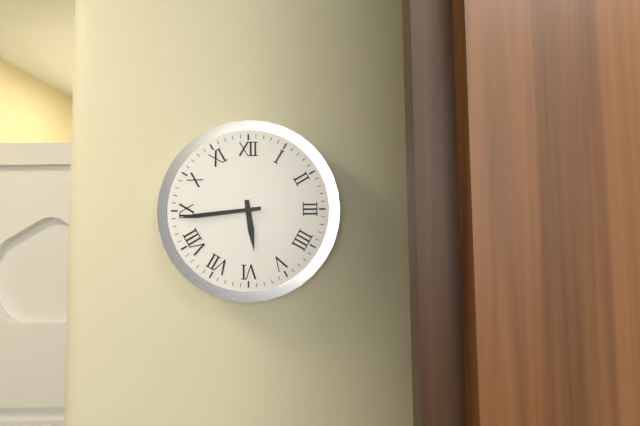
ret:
5.44
